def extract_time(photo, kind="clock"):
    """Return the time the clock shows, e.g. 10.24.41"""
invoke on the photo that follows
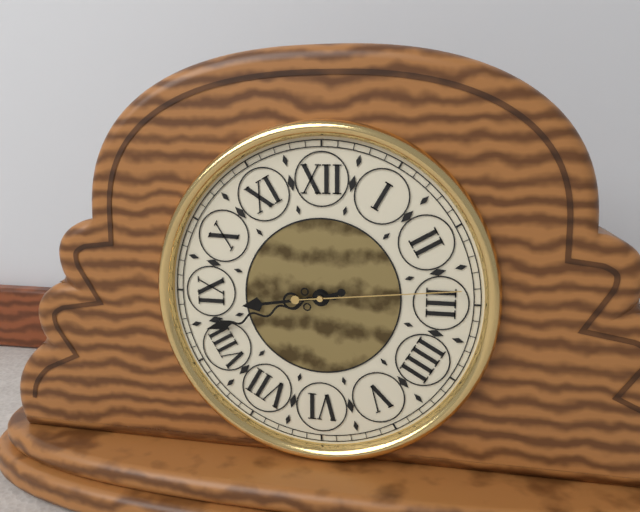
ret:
8.42.14
